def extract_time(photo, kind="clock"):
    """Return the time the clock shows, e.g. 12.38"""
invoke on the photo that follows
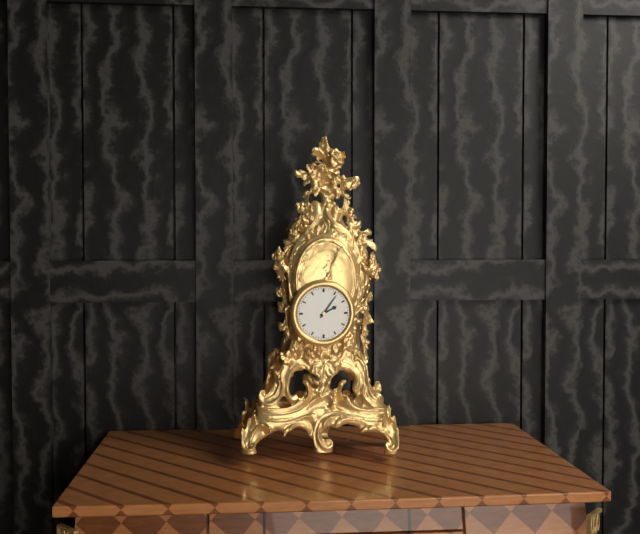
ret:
2.06
